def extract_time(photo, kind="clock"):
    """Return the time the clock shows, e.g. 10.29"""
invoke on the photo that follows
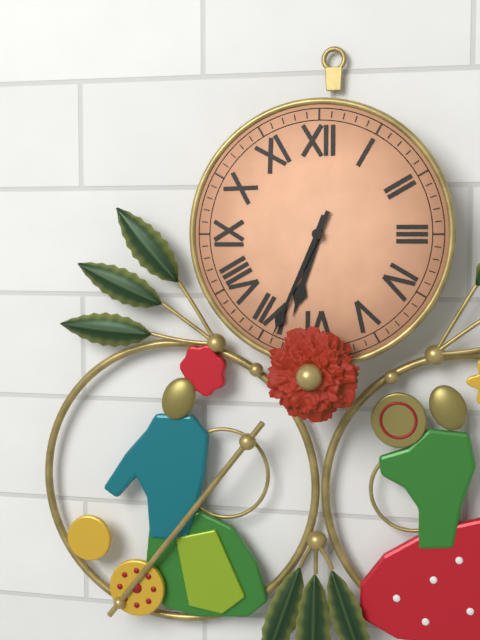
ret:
6.34
